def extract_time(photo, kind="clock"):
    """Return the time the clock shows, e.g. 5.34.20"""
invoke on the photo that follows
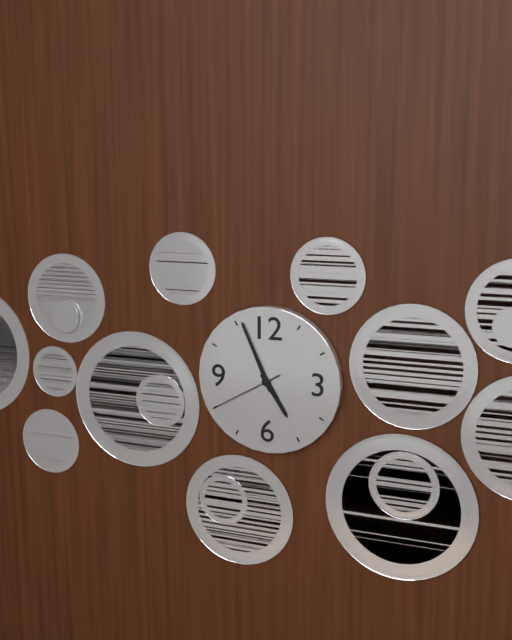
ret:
4.56.40
